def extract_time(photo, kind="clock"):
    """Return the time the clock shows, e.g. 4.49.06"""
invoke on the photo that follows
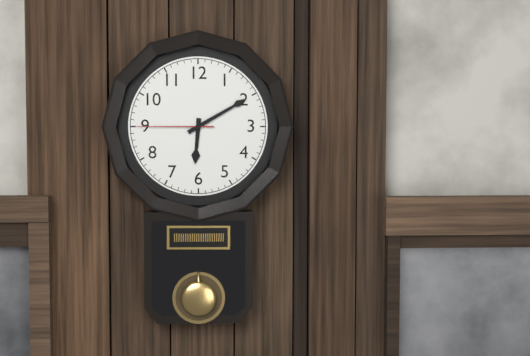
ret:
6.10.45
